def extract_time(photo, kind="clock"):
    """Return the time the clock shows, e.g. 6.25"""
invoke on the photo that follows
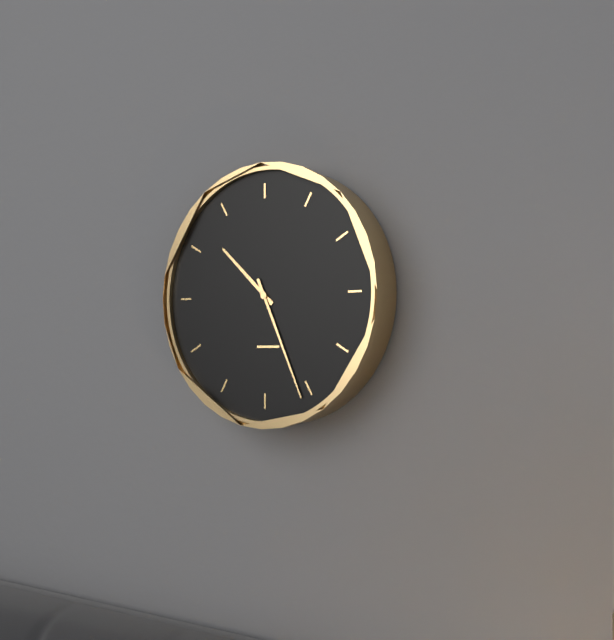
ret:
10.26
